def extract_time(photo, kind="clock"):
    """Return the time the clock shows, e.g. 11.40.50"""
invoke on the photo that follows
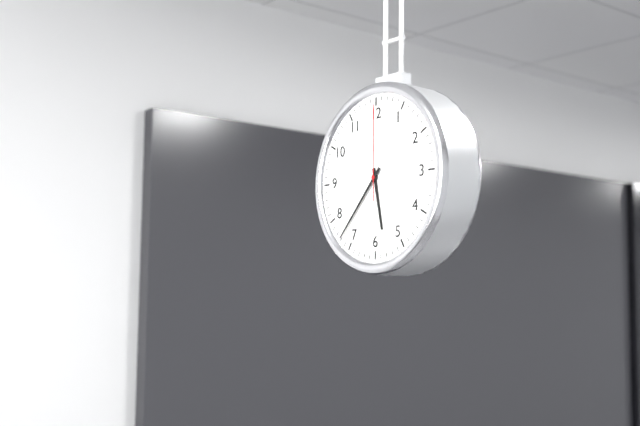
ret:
5.37.00
